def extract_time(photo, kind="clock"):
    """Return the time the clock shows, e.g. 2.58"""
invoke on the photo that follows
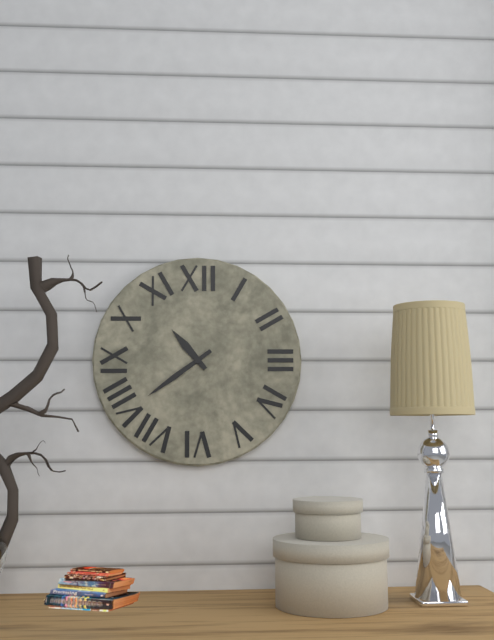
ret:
10.39
